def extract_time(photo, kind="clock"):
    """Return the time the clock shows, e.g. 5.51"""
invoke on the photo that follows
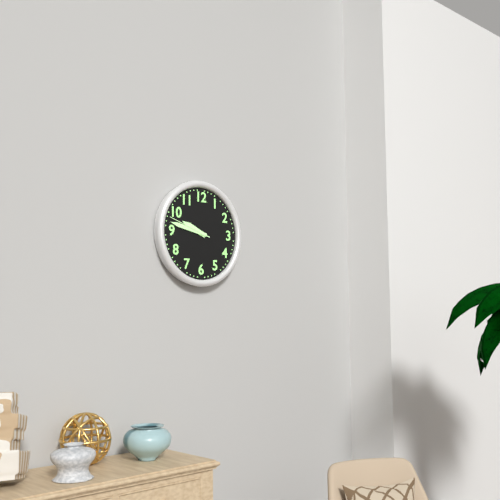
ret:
9.47
